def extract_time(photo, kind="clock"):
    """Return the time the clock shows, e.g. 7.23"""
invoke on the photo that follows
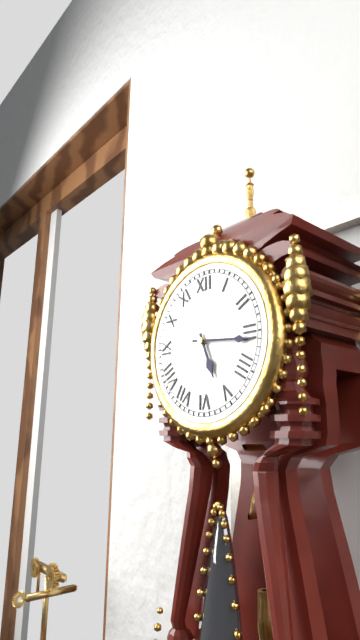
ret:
5.16
